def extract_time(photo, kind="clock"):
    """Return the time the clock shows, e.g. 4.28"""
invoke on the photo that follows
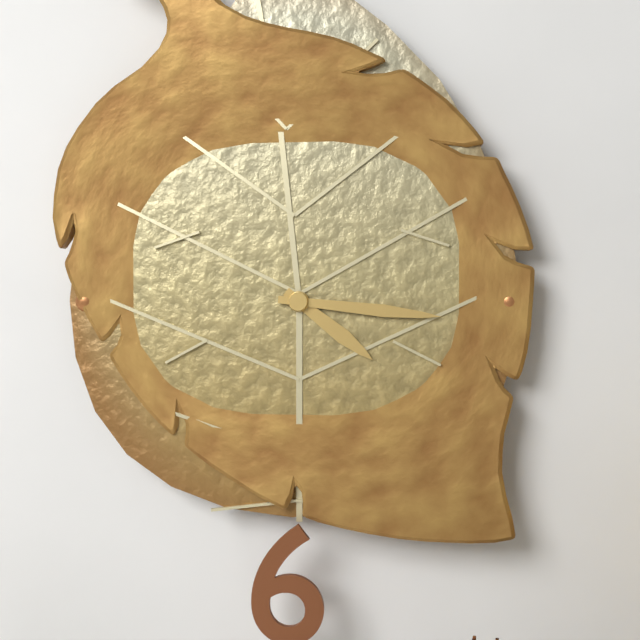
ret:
4.16
